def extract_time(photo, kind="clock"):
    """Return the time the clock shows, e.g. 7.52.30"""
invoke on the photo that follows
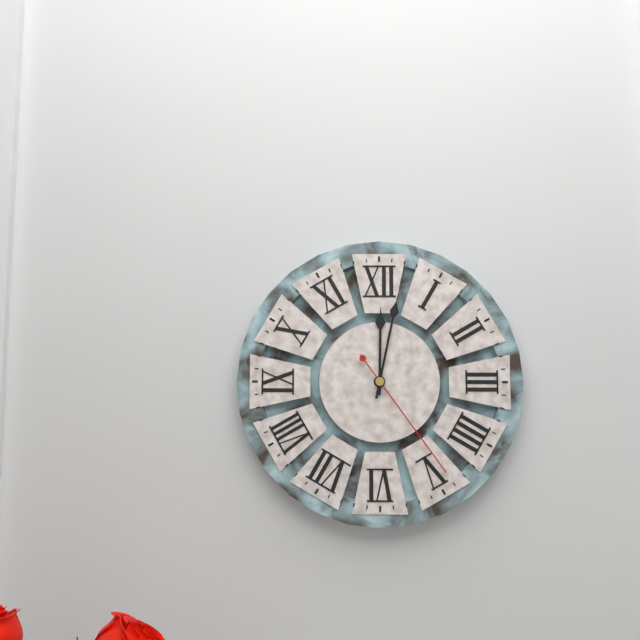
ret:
12.02.24
